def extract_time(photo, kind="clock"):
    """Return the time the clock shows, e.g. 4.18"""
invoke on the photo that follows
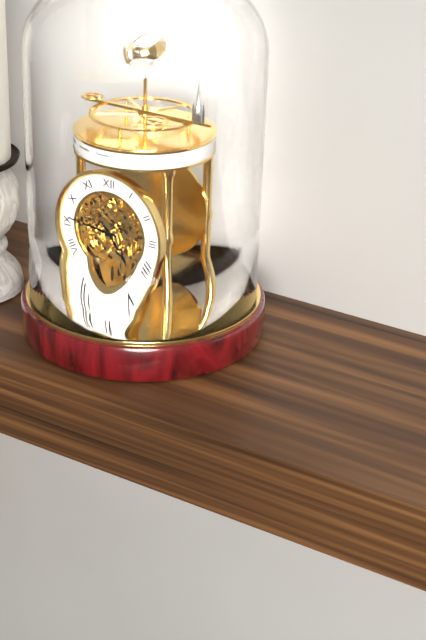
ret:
4.46
